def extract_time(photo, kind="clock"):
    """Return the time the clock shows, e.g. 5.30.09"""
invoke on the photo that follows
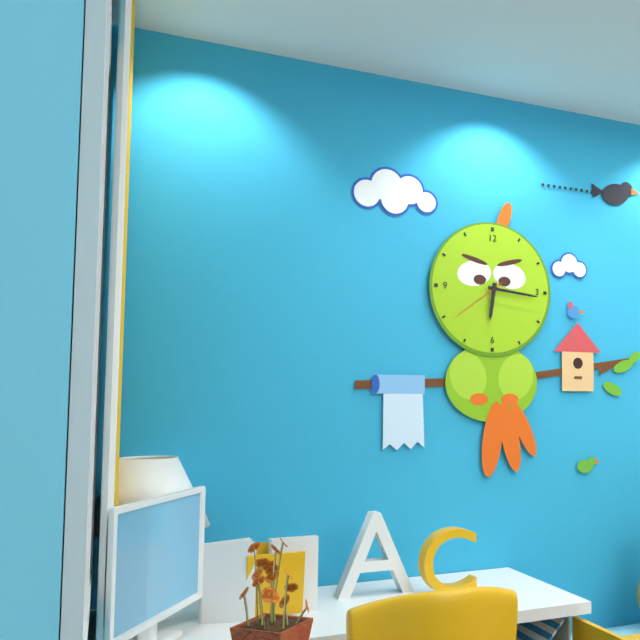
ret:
6.16.39
